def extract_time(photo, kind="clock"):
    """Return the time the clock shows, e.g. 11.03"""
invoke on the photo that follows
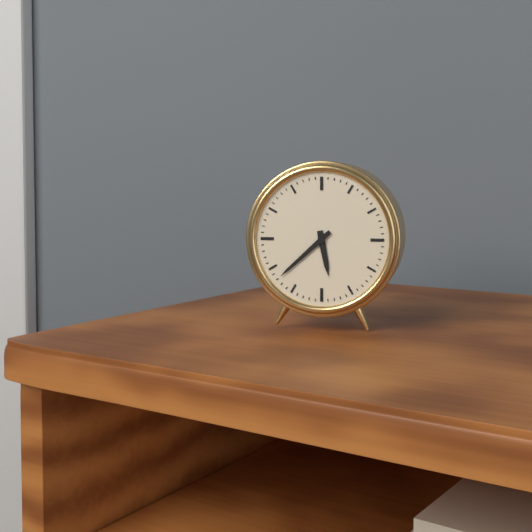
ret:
5.38
